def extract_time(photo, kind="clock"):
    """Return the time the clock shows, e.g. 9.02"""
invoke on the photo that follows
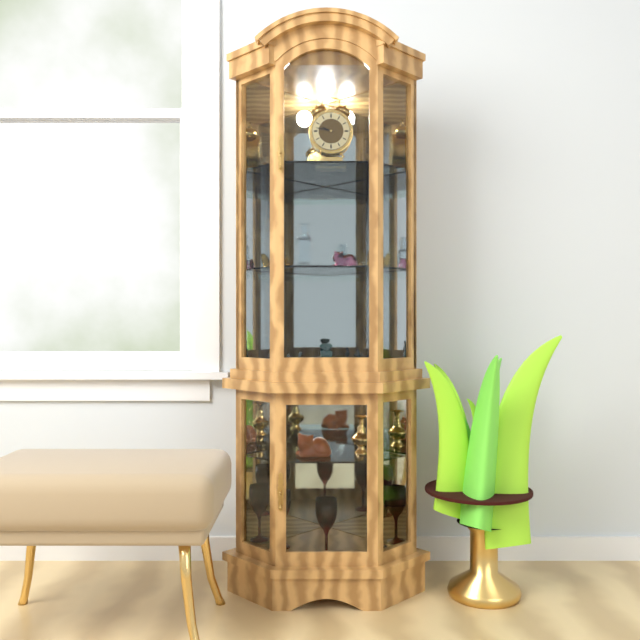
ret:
9.47
